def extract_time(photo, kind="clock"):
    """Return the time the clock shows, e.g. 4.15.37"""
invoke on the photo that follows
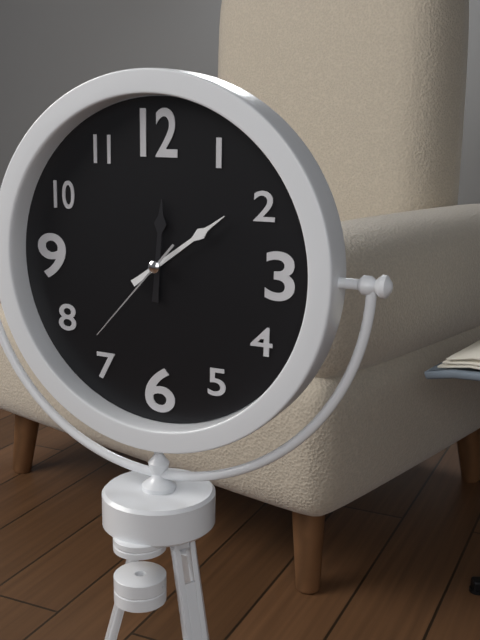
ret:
12.09.37
